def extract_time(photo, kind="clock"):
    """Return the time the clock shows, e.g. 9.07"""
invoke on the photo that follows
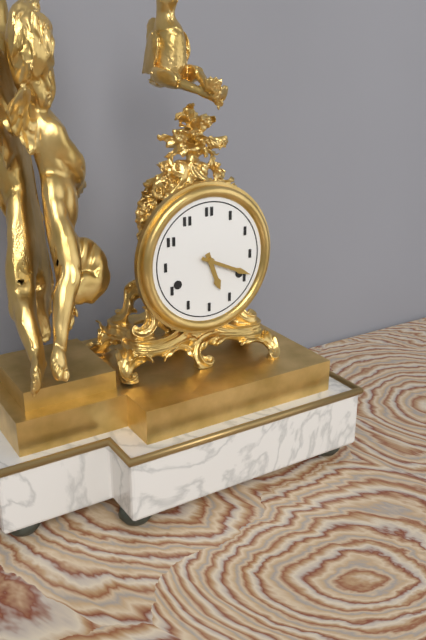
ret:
5.19
